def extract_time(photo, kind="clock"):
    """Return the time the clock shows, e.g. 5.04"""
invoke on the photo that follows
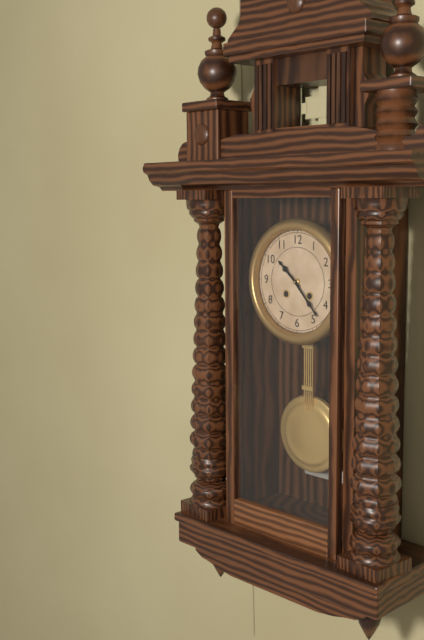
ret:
10.23
